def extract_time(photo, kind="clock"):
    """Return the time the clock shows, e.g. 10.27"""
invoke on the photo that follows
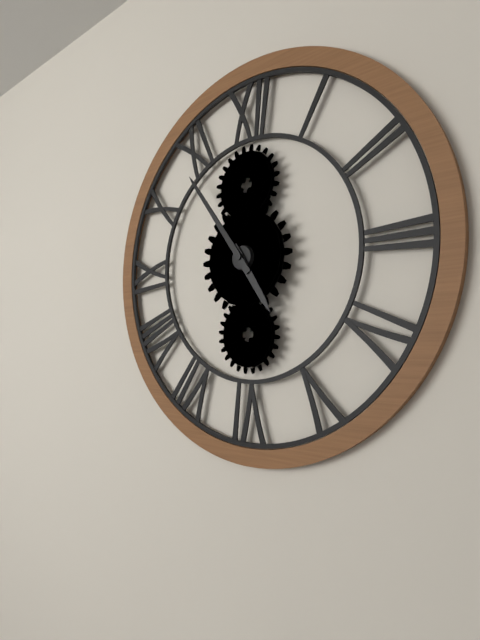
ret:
4.54
